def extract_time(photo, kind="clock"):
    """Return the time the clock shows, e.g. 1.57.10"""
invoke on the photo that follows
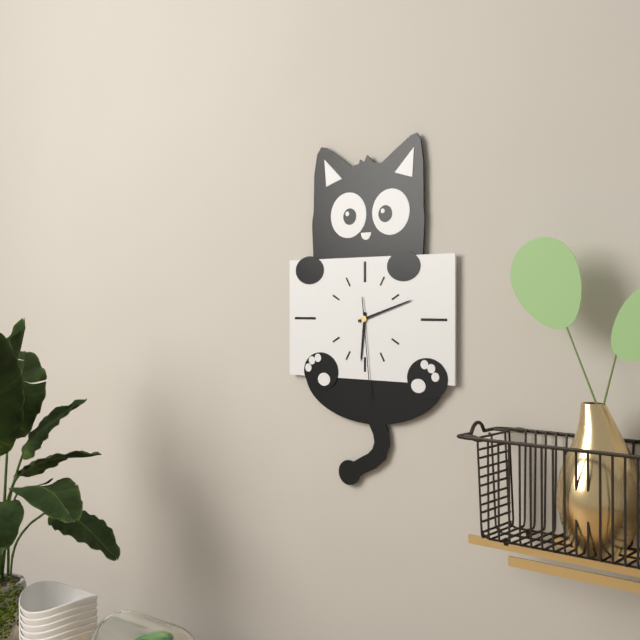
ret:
6.12.29
